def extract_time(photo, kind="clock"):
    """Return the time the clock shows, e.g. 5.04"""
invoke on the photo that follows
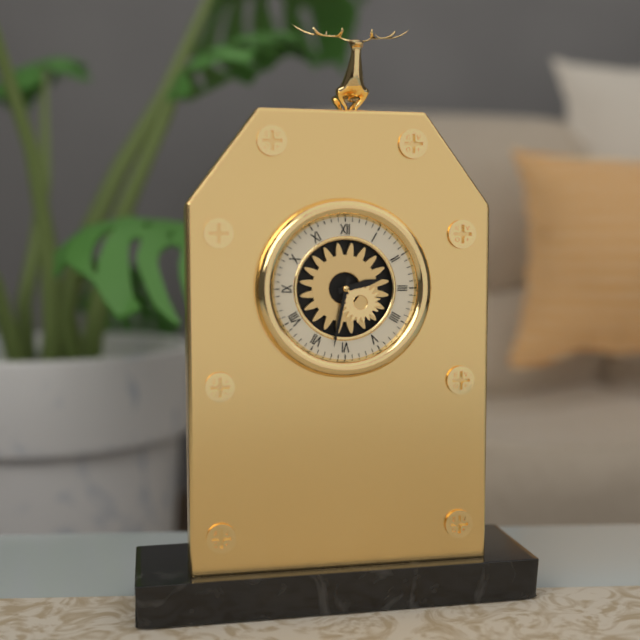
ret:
2.32
